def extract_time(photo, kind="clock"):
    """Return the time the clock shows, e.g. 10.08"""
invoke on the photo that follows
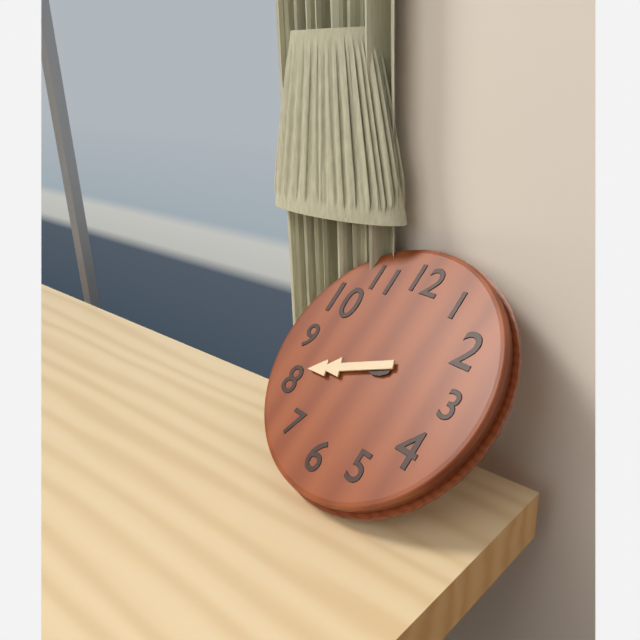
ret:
2.41
